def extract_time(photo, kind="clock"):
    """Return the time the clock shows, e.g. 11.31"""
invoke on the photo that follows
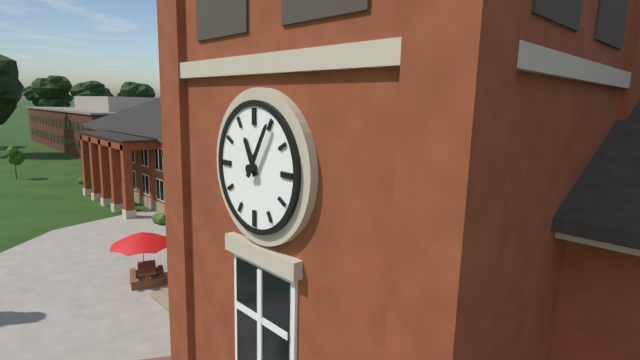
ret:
11.05
